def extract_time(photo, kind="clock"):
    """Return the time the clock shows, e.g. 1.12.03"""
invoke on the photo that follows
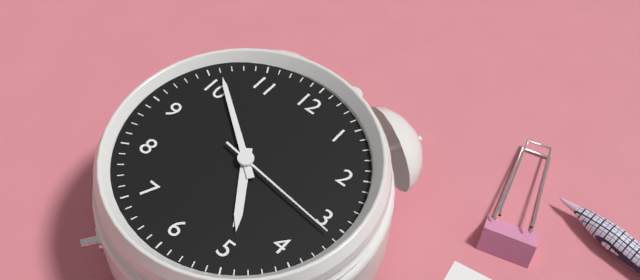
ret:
4.51.16
